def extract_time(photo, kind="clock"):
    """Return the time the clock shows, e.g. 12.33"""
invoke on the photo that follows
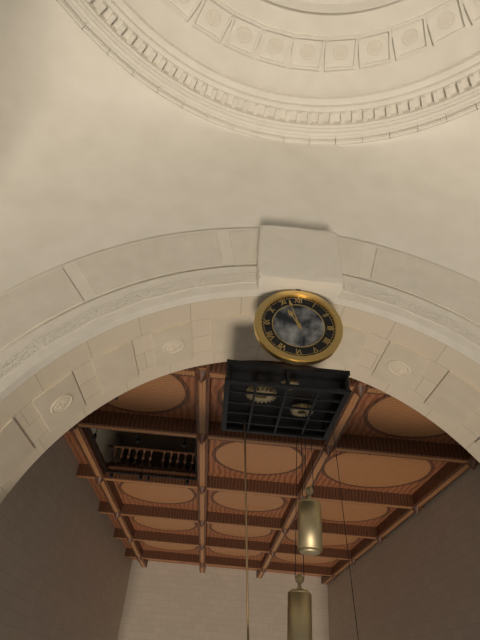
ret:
10.57
